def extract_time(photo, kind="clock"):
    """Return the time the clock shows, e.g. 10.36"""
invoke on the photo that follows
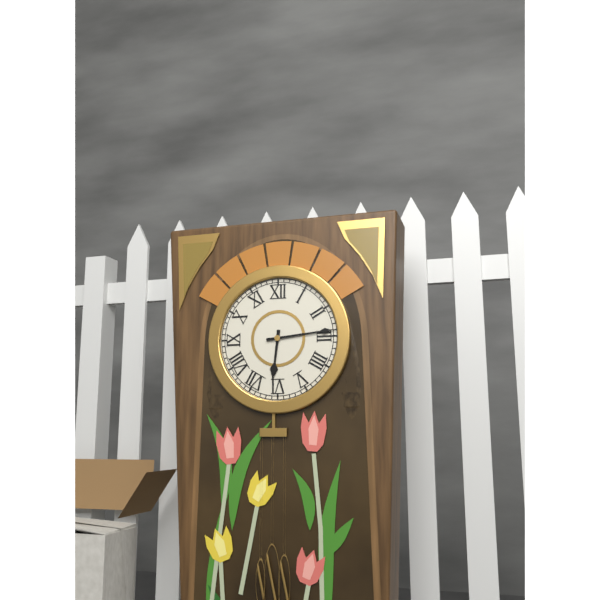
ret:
6.14
